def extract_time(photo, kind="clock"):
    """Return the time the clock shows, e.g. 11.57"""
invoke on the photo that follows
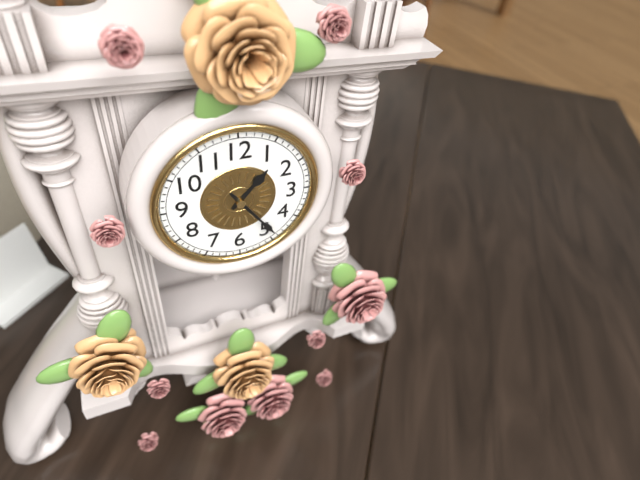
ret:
1.24
